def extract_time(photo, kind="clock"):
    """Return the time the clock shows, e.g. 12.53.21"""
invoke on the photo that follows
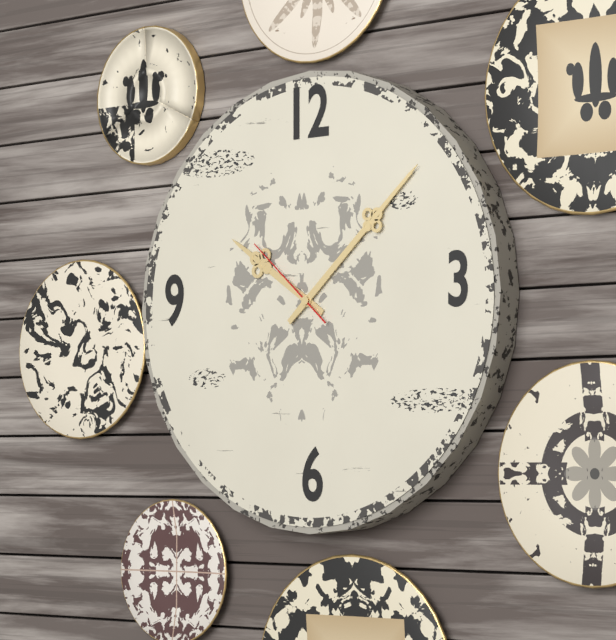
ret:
10.08.52
